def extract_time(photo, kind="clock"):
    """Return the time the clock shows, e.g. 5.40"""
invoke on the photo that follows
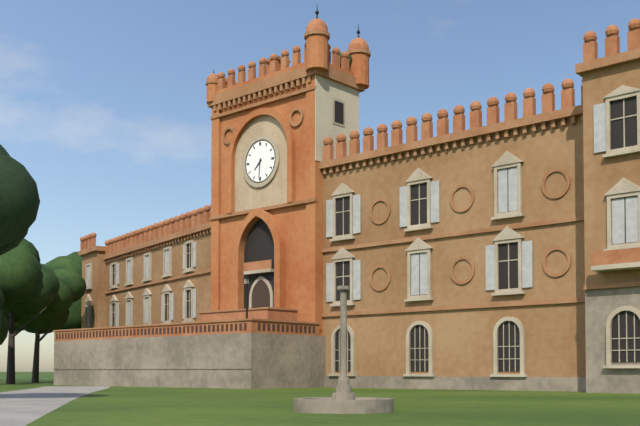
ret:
7.31
